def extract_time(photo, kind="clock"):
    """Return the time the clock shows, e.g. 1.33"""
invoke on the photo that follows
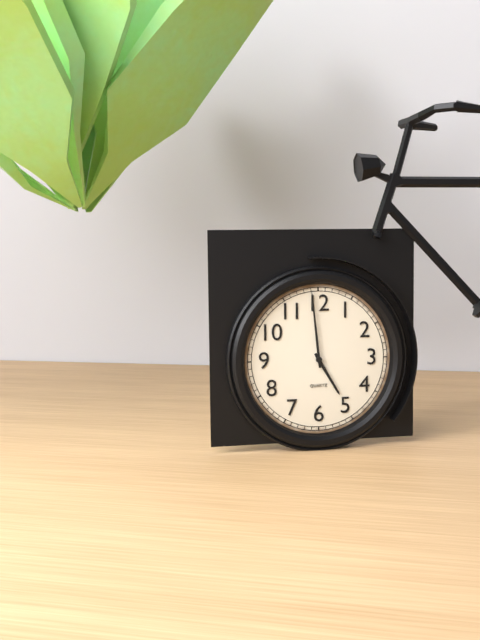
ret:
4.59
